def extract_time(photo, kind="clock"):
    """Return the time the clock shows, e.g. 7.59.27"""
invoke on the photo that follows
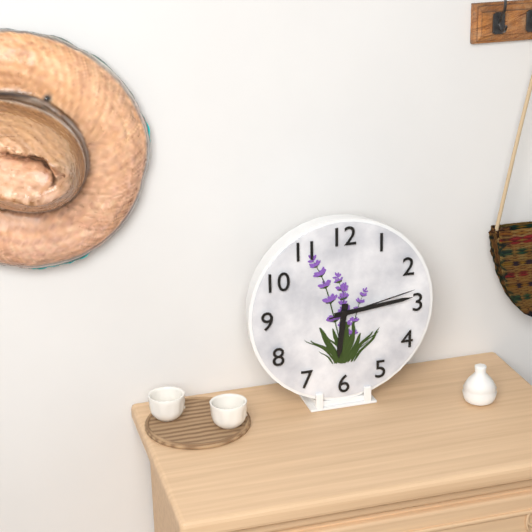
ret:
6.14.13
